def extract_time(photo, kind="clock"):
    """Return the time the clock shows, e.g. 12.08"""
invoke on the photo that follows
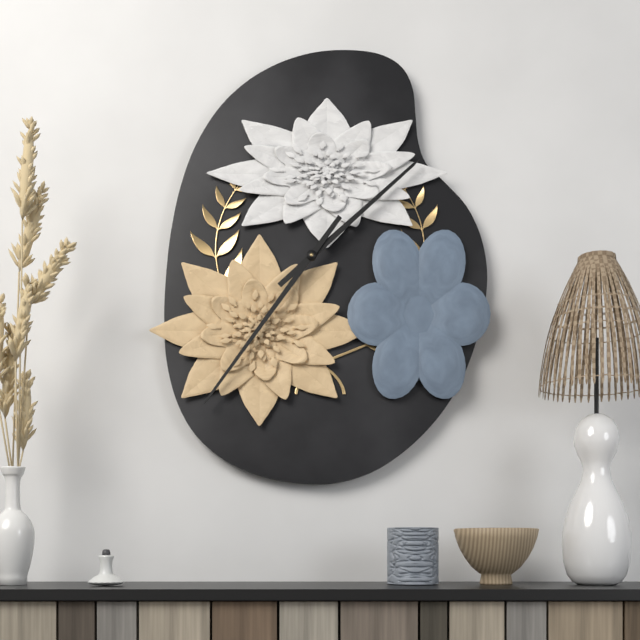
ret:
1.36
